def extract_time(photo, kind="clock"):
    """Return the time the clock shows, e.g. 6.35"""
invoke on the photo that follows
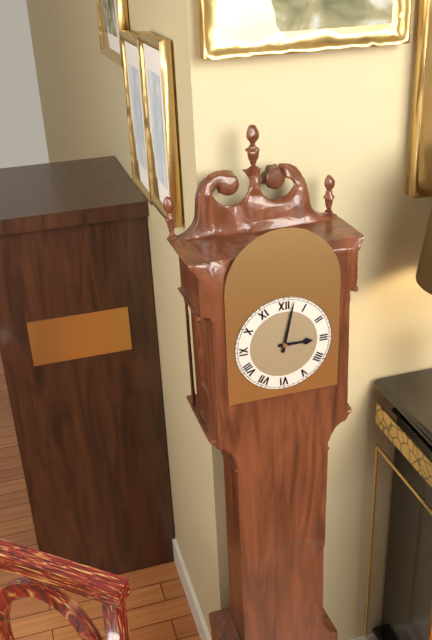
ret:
3.02
